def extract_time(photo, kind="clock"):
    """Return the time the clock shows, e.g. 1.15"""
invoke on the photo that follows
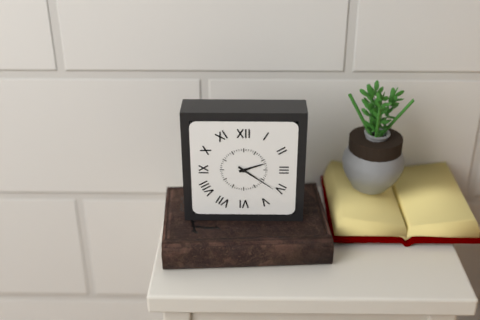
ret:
2.21
